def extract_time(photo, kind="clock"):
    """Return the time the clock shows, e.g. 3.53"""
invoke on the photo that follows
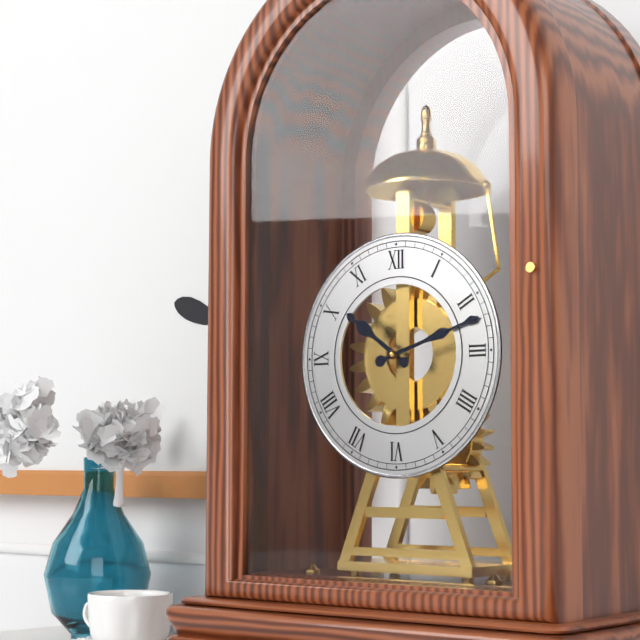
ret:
10.12
